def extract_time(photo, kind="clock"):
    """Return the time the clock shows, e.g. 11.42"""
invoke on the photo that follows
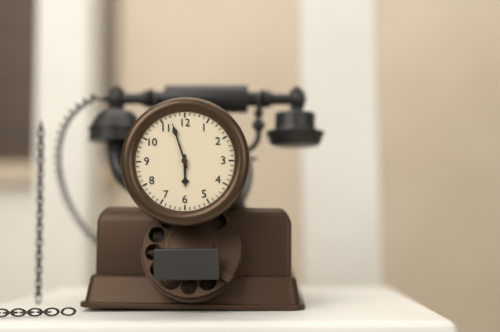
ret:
5.57
